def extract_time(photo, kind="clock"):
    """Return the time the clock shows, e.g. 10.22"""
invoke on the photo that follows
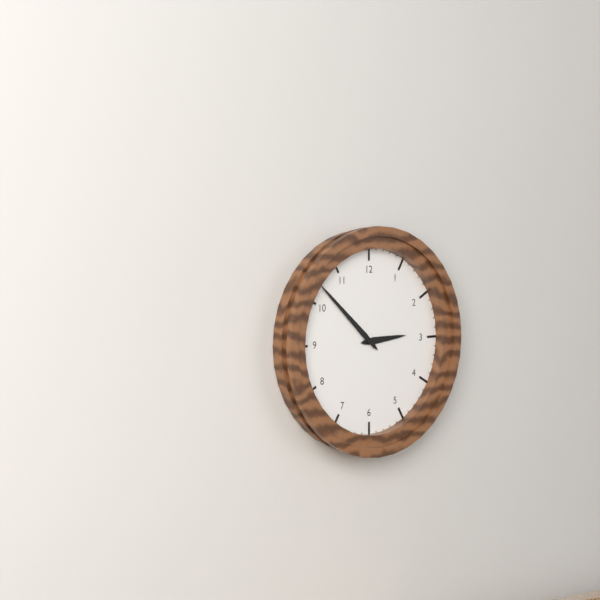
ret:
2.52
